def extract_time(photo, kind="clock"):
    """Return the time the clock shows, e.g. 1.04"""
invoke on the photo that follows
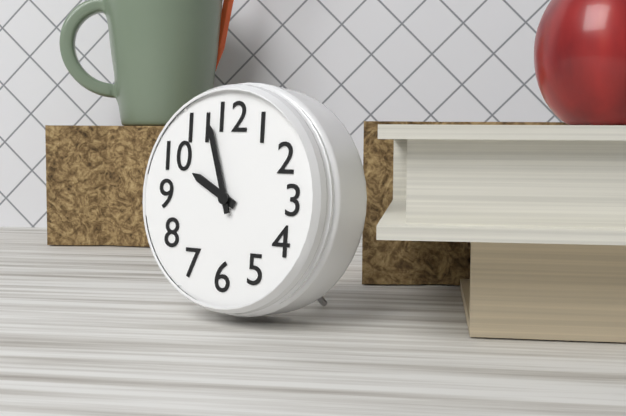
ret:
9.57
